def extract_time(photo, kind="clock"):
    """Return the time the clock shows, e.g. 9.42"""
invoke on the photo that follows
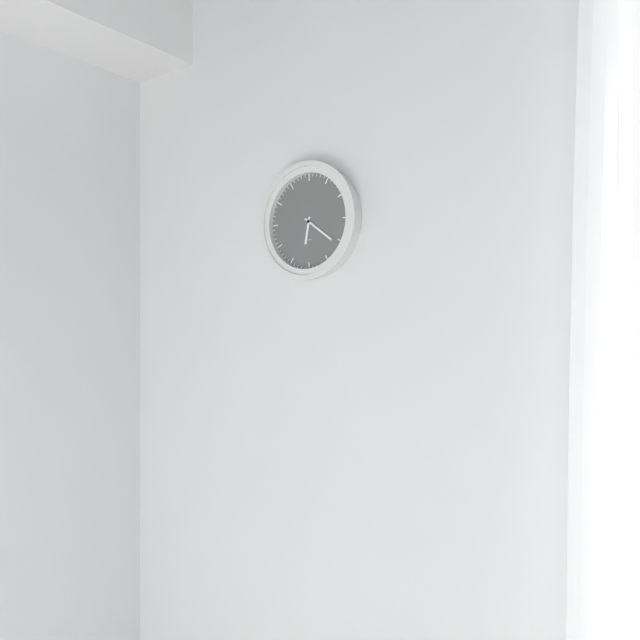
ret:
6.21
